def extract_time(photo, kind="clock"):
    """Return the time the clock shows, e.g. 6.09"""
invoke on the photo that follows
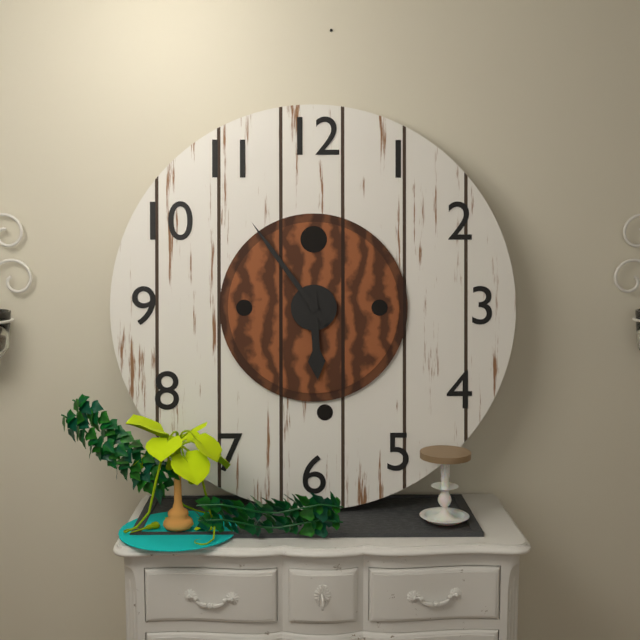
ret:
5.54
